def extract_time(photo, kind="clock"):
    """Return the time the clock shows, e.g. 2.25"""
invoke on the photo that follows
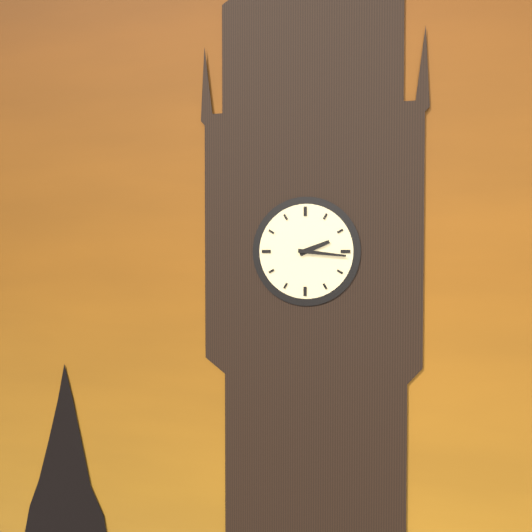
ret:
2.16
